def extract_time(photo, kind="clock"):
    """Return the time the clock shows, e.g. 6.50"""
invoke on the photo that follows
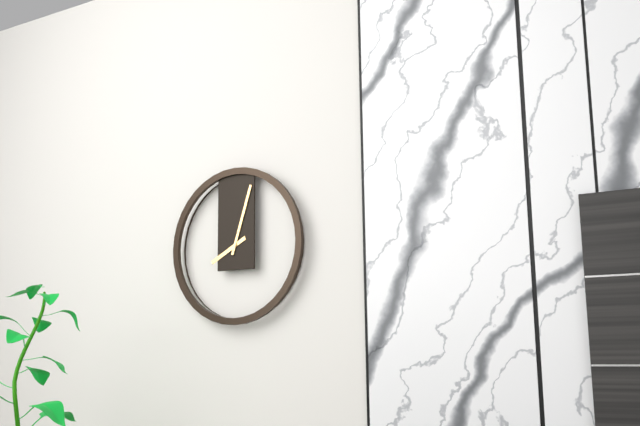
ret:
8.03
